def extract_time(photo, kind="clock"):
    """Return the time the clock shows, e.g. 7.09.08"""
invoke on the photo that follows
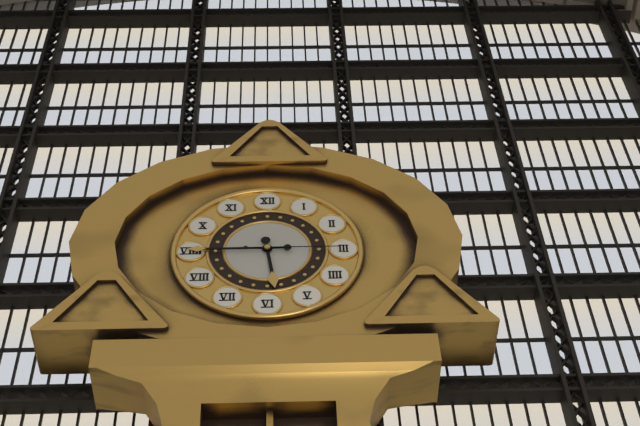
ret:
5.45.15
